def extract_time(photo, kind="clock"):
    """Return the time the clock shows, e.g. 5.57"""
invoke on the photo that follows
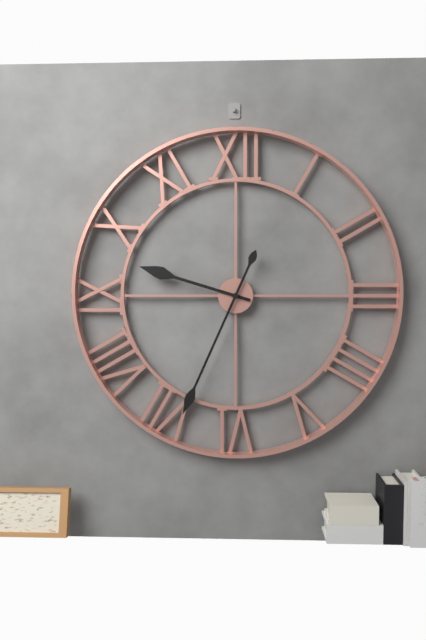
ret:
9.34
